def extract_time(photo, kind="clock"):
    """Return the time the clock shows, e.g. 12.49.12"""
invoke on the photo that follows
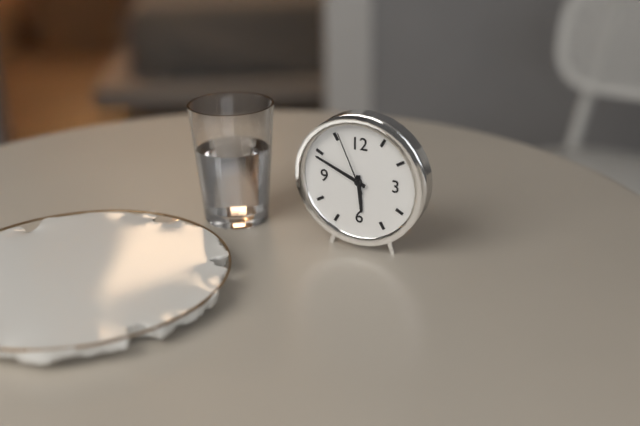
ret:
5.49.56
